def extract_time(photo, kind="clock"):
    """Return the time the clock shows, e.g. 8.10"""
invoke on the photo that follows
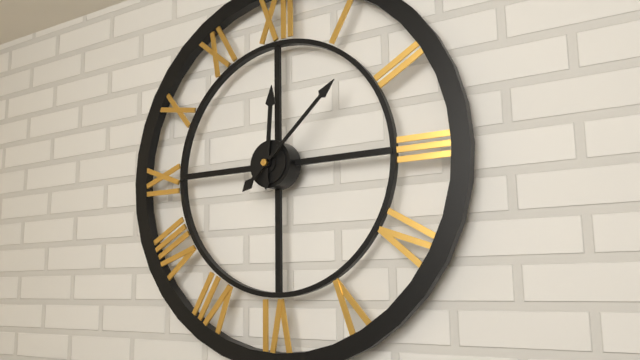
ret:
12.08
